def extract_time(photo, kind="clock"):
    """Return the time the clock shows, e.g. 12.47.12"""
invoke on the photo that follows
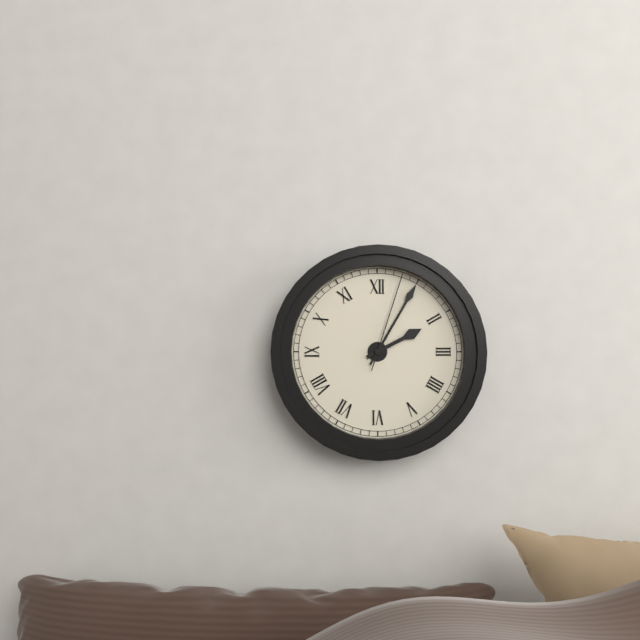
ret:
2.05.03
